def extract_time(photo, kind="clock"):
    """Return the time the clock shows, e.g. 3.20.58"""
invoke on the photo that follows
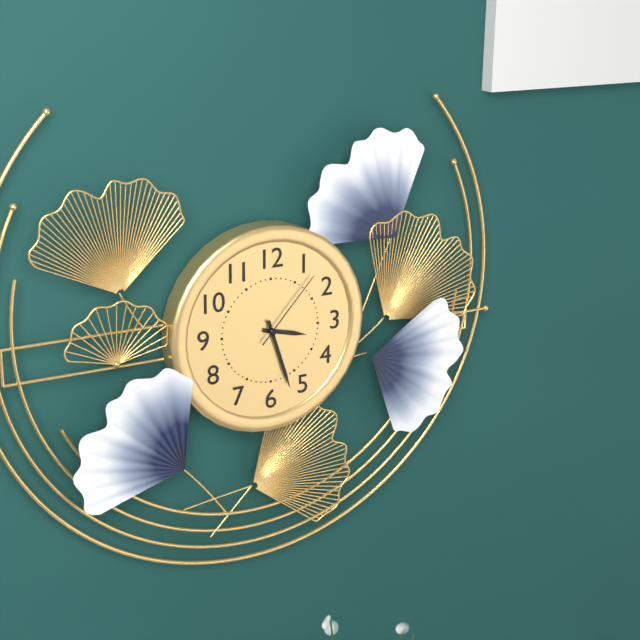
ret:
3.27.07
